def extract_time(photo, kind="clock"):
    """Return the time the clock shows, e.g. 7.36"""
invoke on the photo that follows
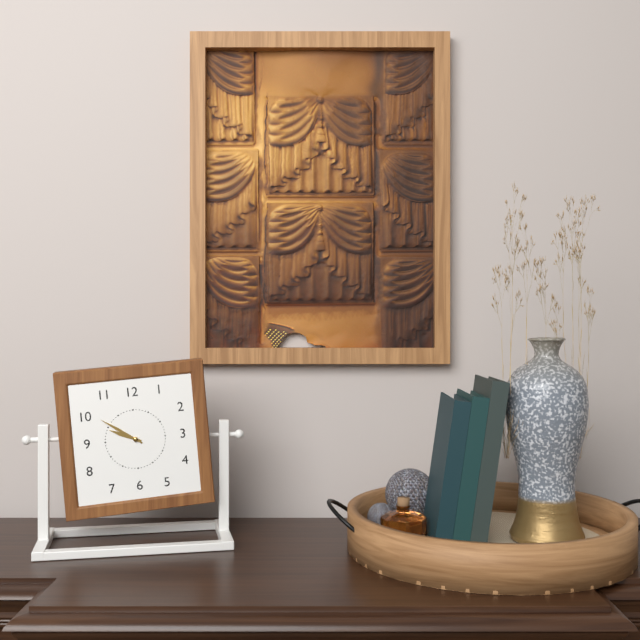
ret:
9.51
